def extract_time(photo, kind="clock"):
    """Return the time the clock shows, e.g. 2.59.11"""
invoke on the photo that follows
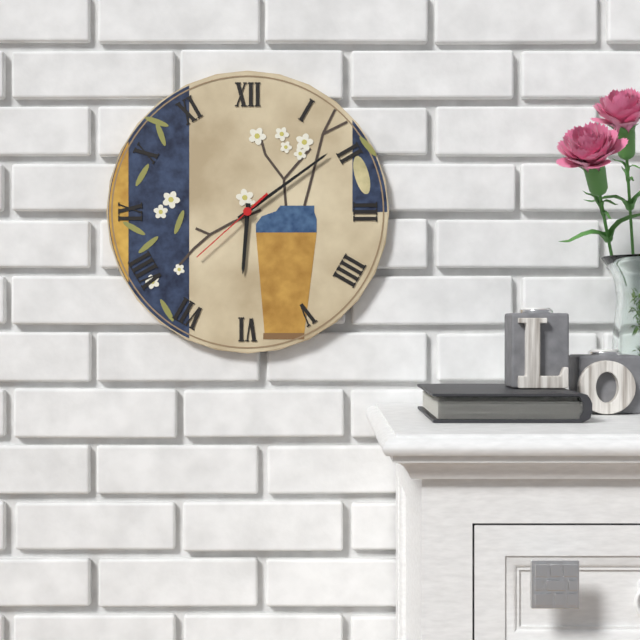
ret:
6.09.38
